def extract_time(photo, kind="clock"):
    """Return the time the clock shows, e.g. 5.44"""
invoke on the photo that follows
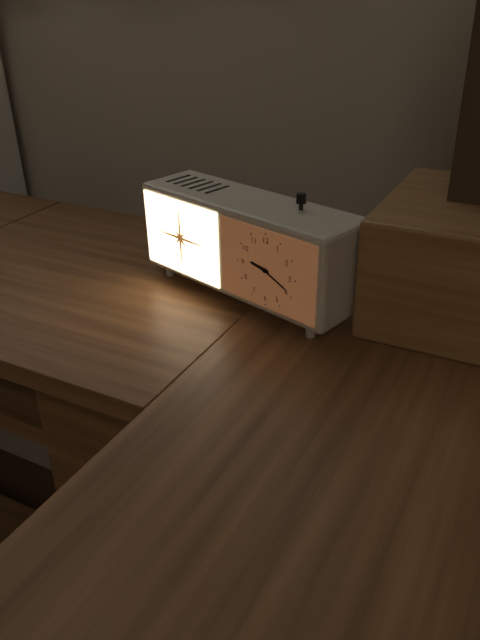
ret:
9.19
